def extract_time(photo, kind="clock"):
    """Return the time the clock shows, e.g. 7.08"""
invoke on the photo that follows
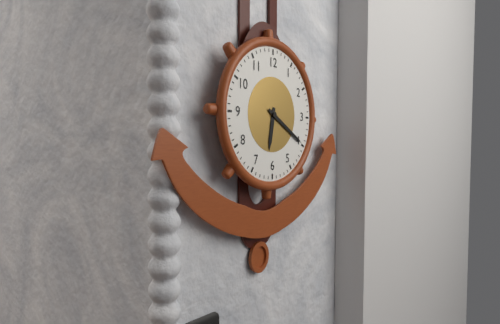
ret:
6.20
